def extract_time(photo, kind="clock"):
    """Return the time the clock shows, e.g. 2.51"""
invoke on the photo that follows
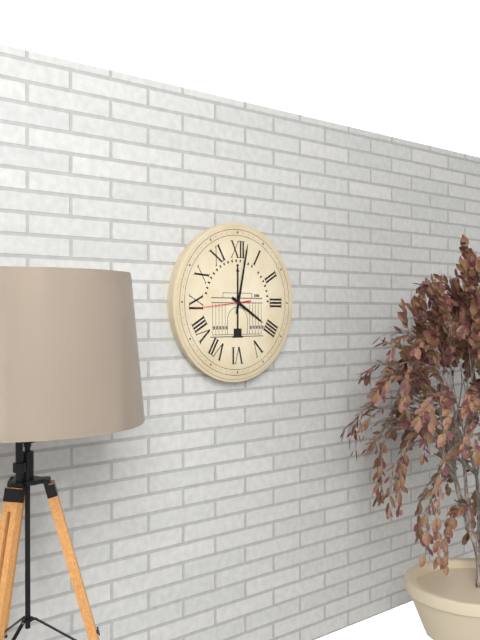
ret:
4.02
